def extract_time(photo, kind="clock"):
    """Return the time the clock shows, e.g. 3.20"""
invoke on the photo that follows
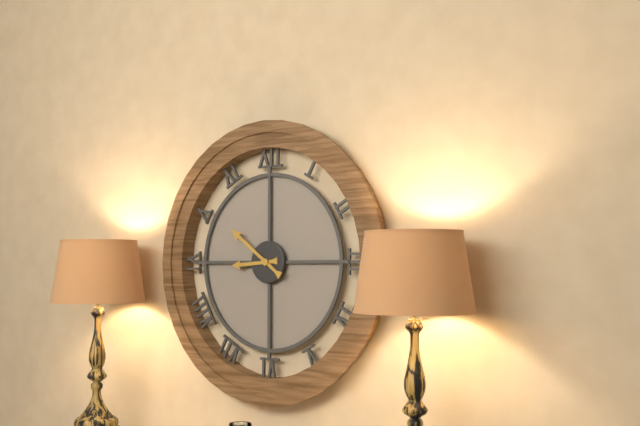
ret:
8.51
